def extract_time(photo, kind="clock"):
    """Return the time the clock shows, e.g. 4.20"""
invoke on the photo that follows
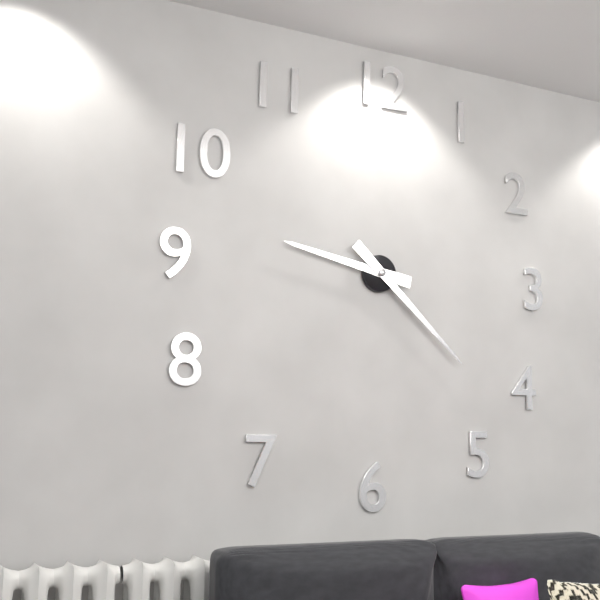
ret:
9.22
